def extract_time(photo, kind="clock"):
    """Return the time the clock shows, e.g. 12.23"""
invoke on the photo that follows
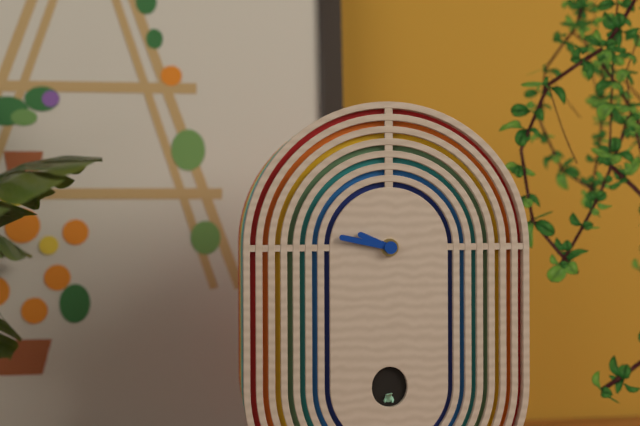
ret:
9.47
